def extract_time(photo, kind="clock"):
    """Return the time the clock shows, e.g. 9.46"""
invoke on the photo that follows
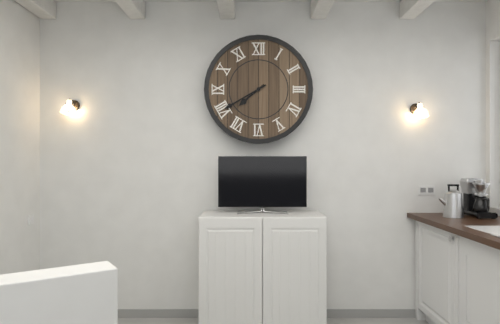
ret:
7.40
